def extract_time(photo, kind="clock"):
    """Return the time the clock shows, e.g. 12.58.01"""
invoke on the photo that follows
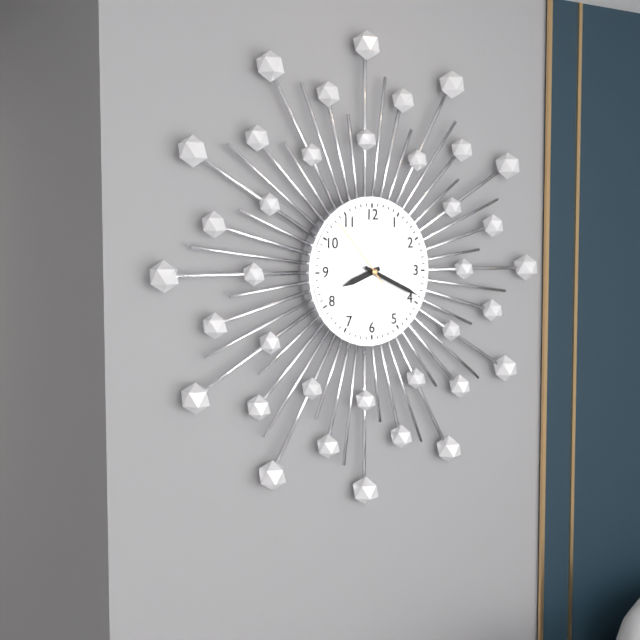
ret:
8.19.53
